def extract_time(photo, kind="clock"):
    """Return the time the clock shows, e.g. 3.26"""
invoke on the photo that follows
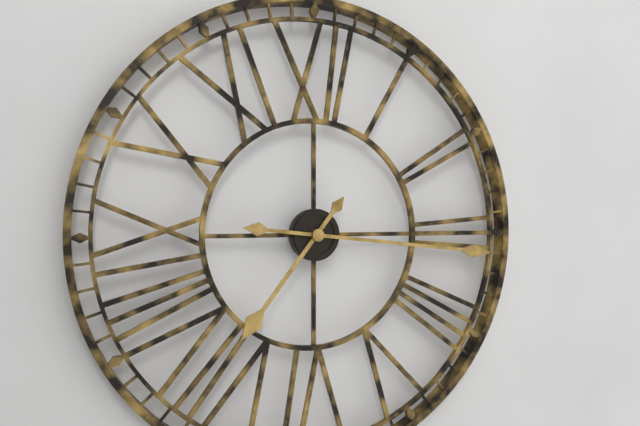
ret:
7.16
